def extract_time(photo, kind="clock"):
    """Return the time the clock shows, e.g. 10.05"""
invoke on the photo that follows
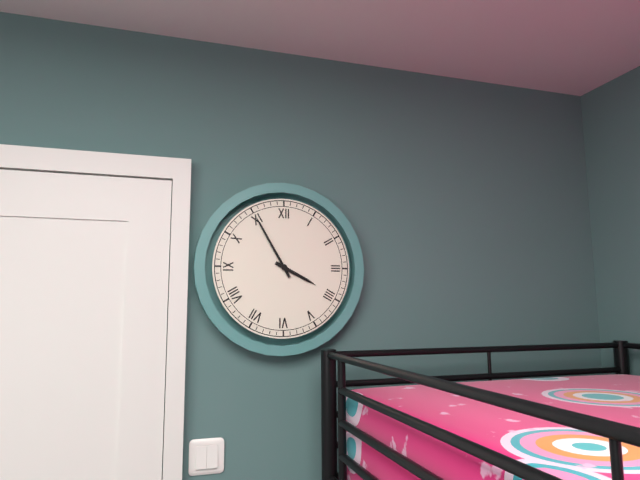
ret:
3.55
